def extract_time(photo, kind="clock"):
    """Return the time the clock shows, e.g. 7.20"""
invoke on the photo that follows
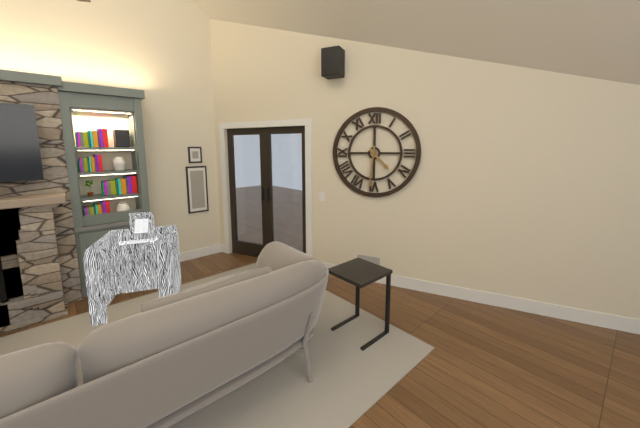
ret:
4.31
